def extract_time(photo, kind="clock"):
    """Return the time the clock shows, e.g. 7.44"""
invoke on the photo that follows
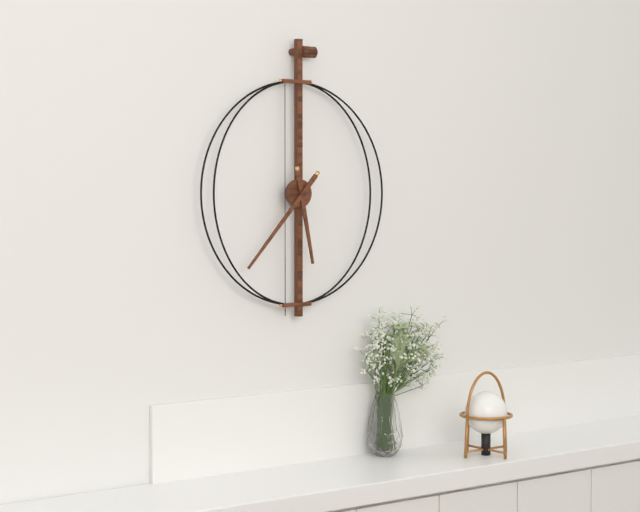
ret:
5.37
